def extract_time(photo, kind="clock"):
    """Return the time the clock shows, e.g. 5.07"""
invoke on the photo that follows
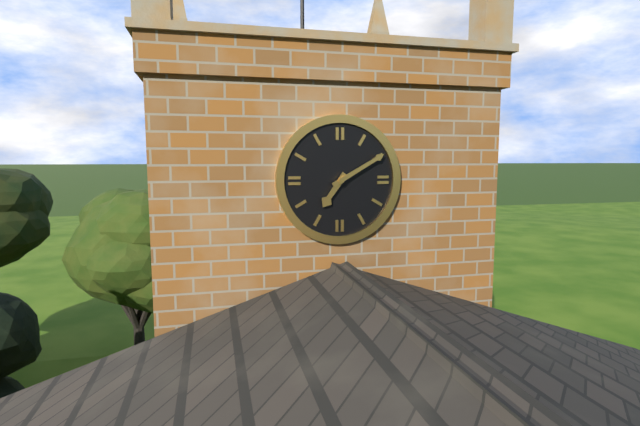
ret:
7.10
